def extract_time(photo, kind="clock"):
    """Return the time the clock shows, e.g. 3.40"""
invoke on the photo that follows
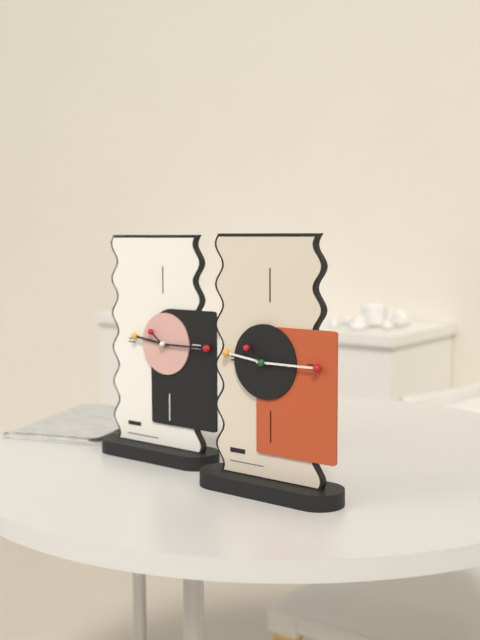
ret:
9.15
